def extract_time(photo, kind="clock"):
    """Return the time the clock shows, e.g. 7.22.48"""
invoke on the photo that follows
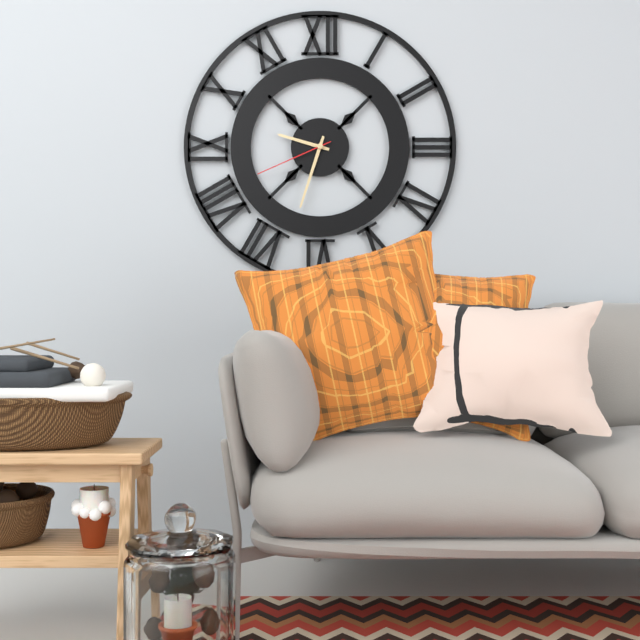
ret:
9.33.41
